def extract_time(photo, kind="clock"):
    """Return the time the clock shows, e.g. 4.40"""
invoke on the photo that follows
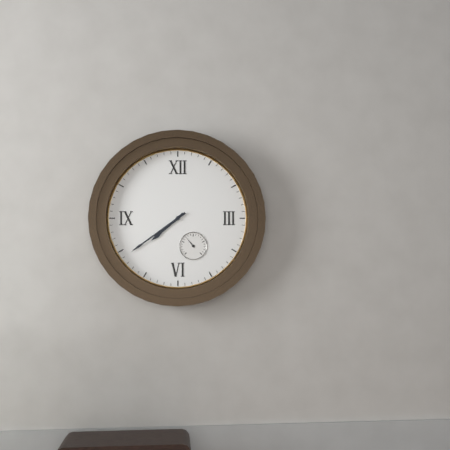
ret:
7.39
